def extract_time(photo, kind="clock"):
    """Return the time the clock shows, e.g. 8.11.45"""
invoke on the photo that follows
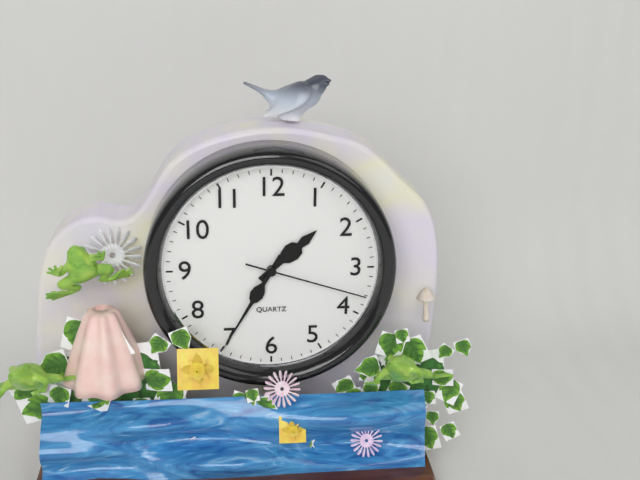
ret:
1.35.18
